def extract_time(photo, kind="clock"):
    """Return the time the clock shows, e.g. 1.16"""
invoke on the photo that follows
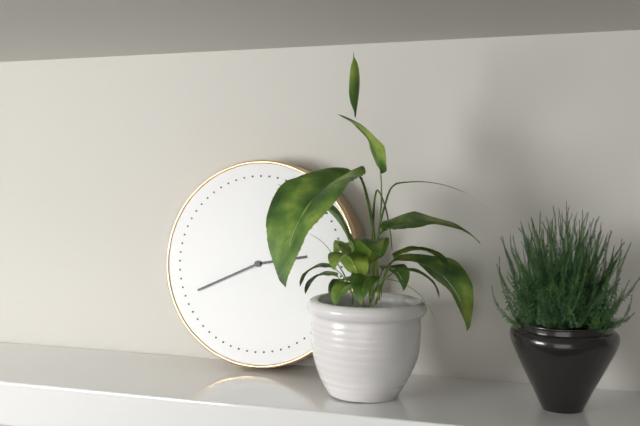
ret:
2.41
